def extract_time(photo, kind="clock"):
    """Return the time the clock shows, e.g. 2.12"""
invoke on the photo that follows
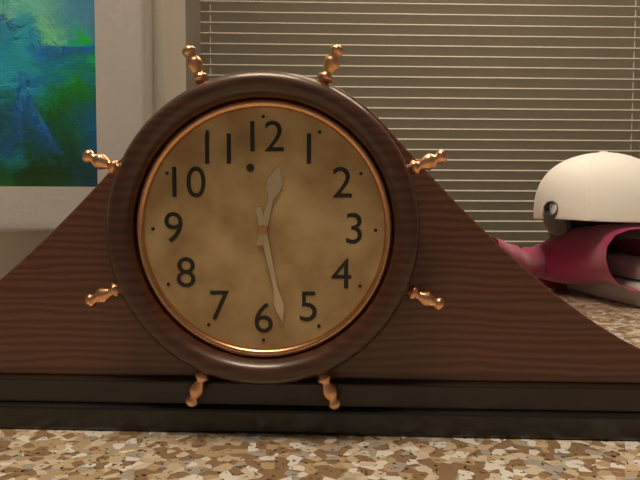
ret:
12.28
